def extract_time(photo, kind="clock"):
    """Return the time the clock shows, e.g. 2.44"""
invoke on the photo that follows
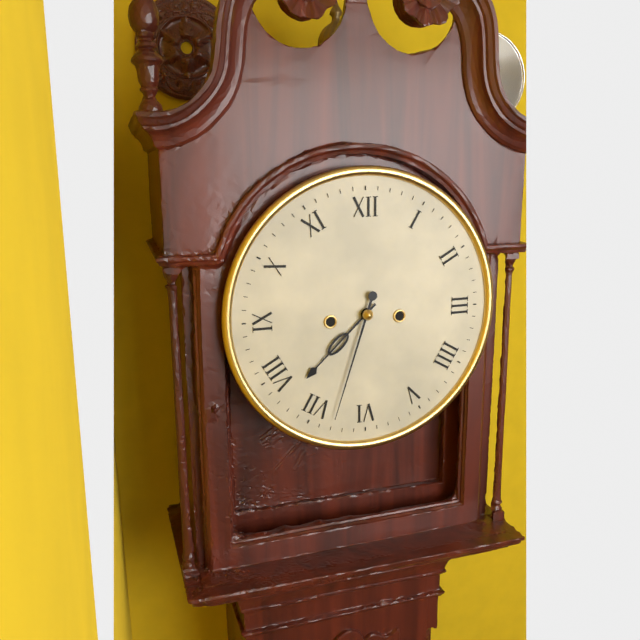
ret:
7.33
